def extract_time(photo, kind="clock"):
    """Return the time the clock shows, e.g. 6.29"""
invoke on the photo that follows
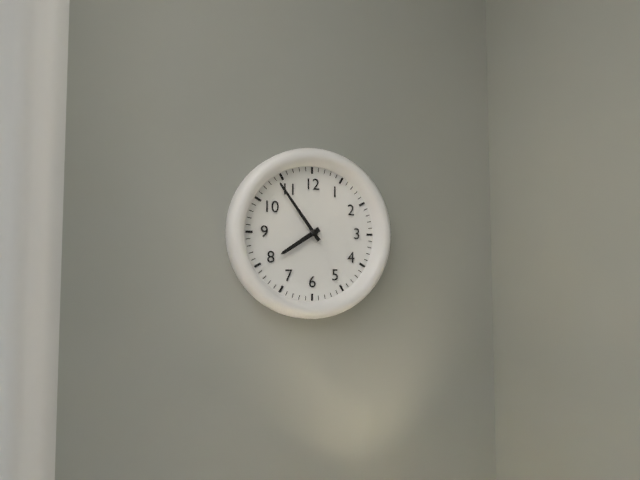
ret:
7.54
